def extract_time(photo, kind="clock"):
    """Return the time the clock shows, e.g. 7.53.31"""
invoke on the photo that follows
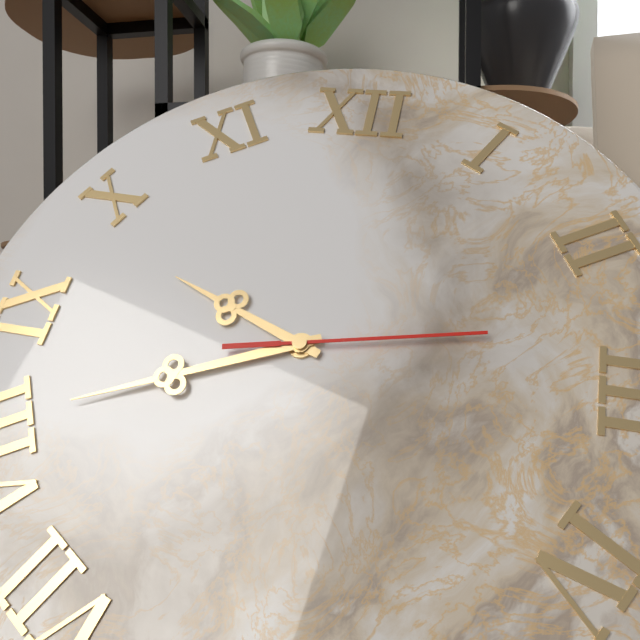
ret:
9.41.13
